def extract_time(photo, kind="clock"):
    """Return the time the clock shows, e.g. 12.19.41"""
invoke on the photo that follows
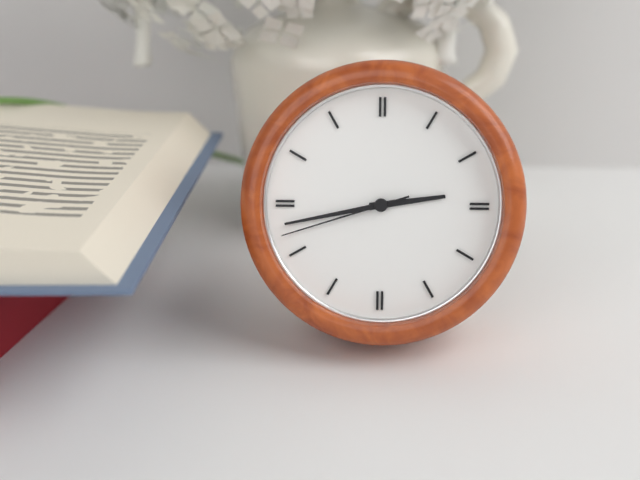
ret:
2.43.42
